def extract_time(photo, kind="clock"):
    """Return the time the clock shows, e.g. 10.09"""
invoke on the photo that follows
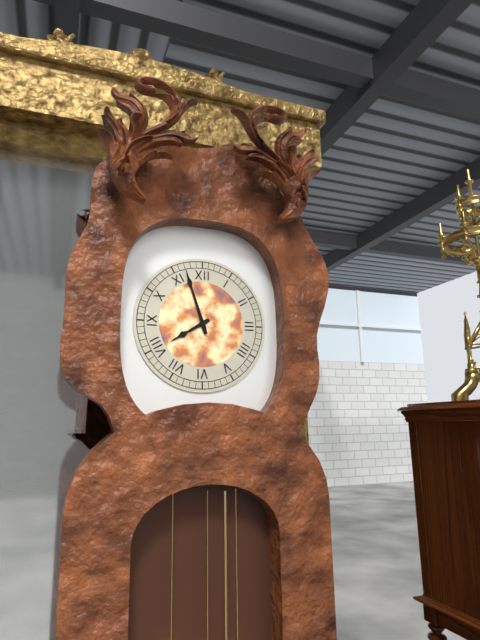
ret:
7.57
